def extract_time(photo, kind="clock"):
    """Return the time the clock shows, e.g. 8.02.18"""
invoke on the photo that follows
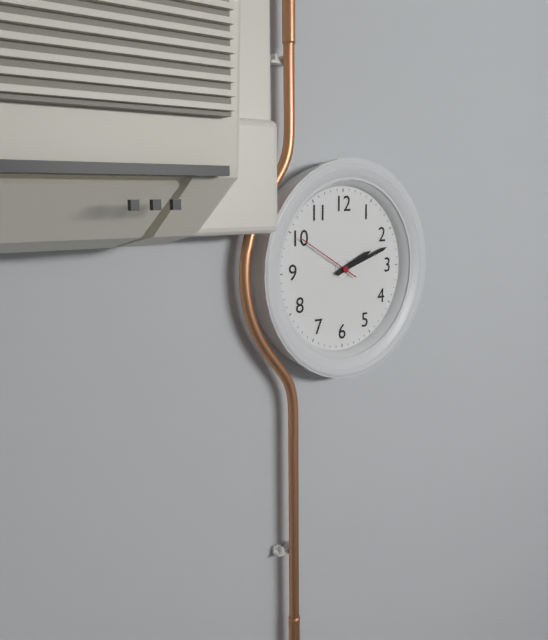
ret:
2.12.50
